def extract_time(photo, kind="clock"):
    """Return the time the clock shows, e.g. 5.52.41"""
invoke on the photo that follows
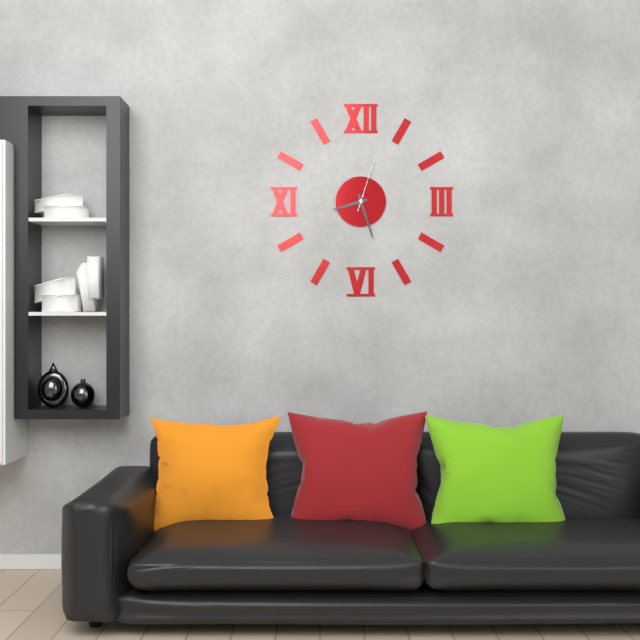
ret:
8.27.03
